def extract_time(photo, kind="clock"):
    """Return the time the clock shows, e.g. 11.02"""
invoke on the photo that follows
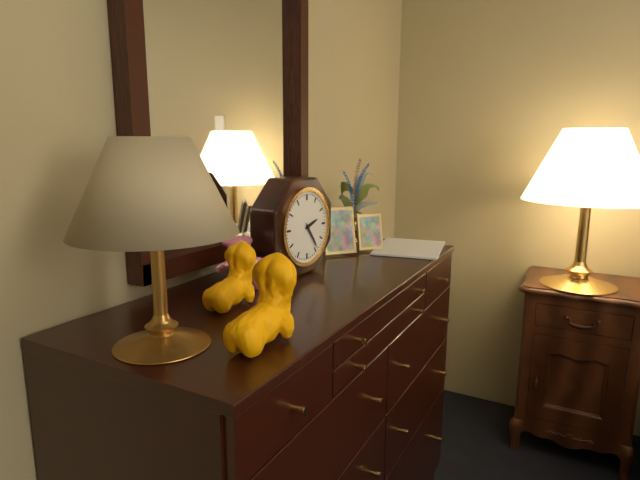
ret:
2.24
